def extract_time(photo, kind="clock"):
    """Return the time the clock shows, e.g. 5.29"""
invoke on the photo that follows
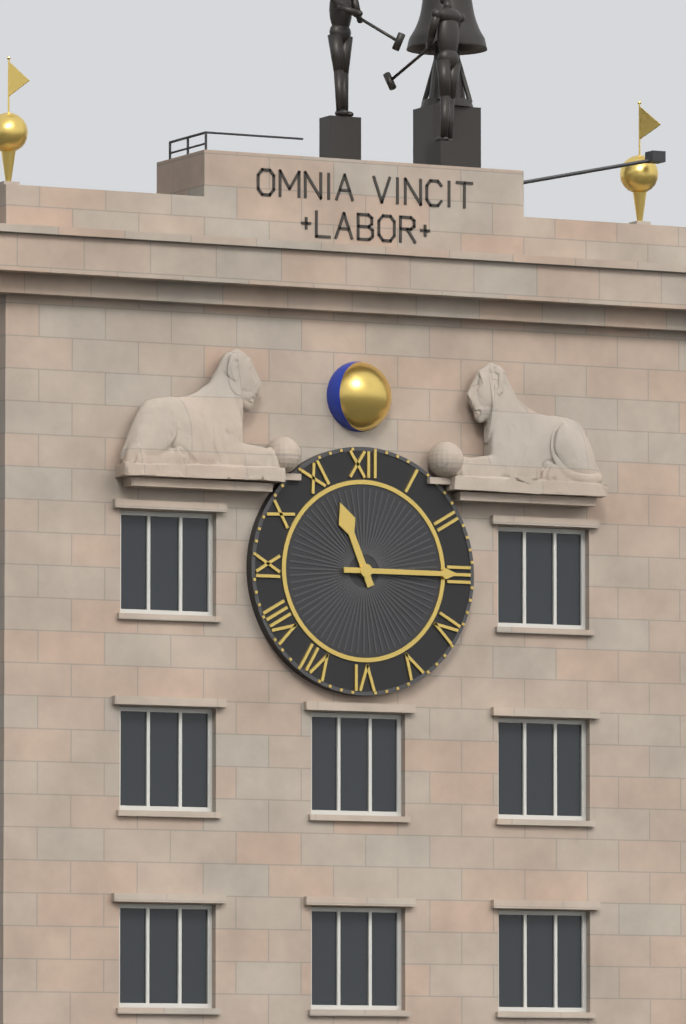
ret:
11.15
